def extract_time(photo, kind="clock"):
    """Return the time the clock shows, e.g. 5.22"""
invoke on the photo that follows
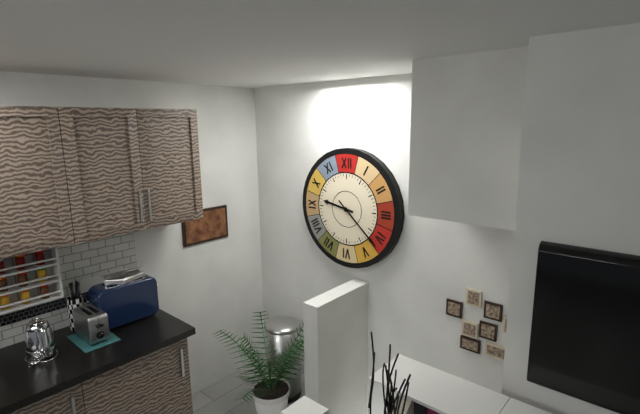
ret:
9.22
